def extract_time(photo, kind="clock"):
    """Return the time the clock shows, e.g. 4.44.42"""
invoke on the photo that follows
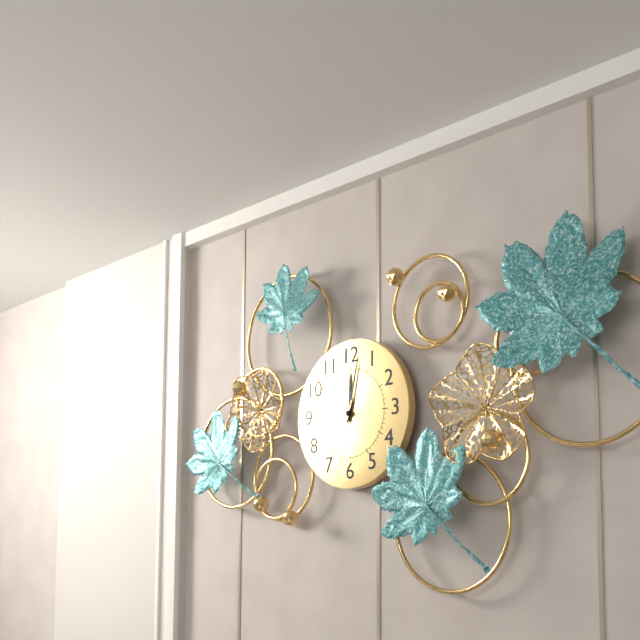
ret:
12.02.33
